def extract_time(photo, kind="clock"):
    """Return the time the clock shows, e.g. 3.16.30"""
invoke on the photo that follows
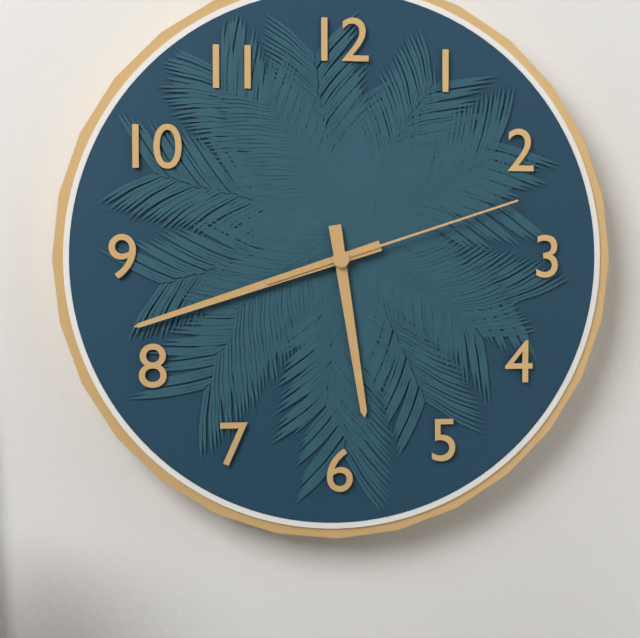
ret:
5.42.12
